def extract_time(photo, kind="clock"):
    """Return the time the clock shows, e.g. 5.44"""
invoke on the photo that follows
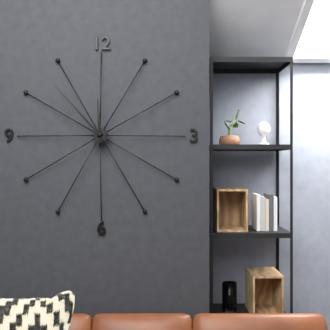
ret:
11.53
